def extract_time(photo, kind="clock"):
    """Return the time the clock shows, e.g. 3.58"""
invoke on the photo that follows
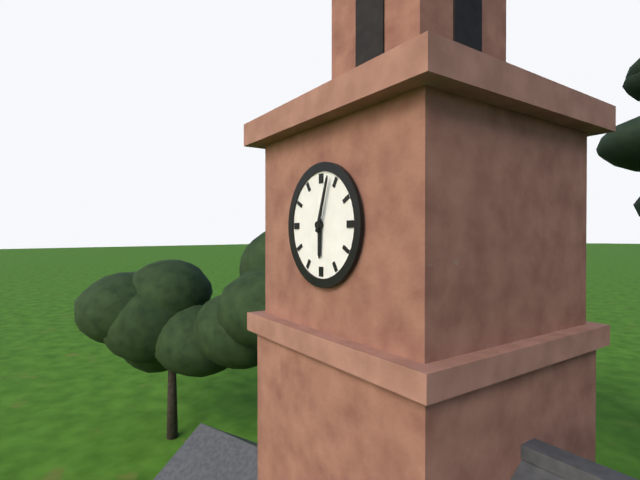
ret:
6.03
